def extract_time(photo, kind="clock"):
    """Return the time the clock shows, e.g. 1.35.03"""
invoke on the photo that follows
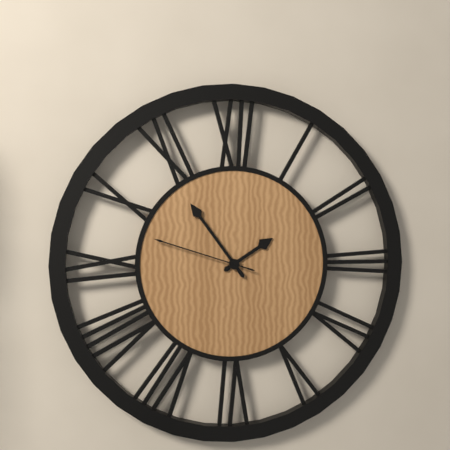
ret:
1.54.48
